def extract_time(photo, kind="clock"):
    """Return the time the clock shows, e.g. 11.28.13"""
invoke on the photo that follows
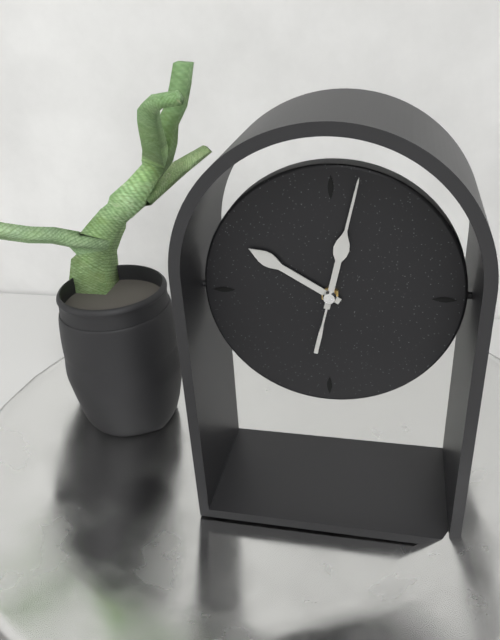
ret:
10.02.02
